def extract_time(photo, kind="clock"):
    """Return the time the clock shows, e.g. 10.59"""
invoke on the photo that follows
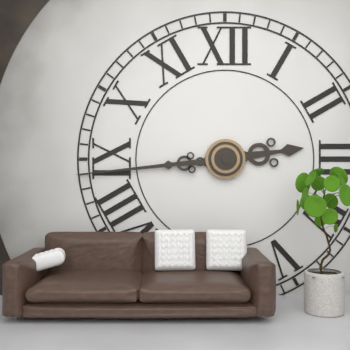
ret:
2.44
